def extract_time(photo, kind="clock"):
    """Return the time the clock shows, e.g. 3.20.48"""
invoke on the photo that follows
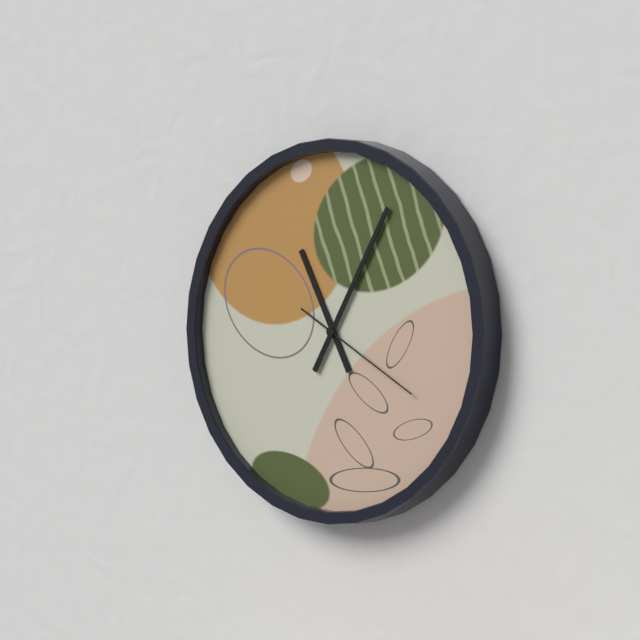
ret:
11.05.20
